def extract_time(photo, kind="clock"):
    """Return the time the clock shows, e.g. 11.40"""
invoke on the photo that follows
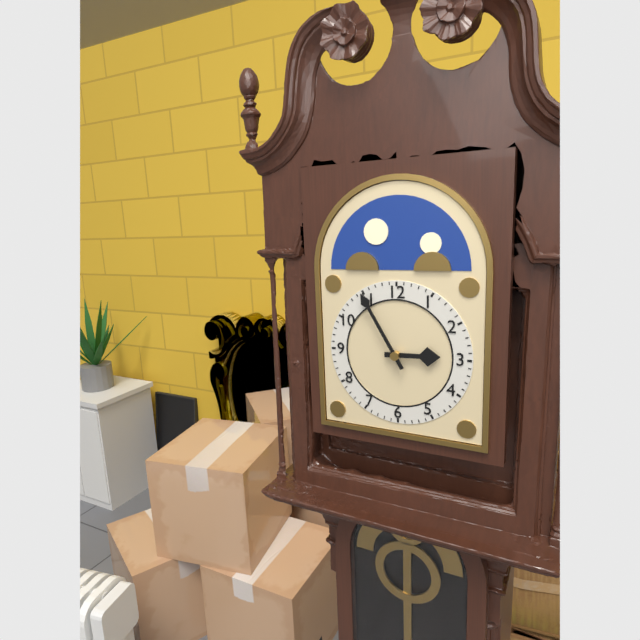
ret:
2.55
